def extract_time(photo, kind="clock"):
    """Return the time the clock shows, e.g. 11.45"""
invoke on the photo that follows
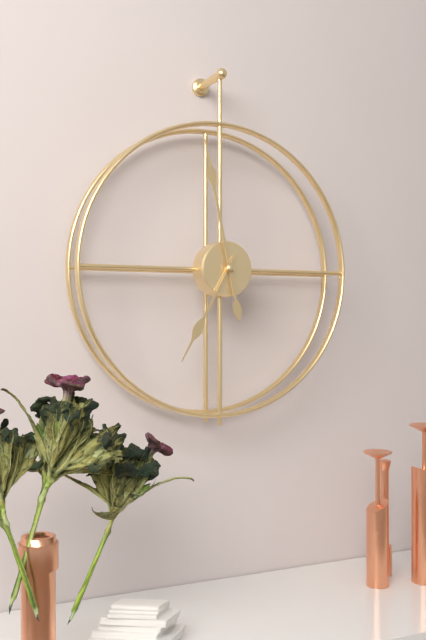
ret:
6.58
